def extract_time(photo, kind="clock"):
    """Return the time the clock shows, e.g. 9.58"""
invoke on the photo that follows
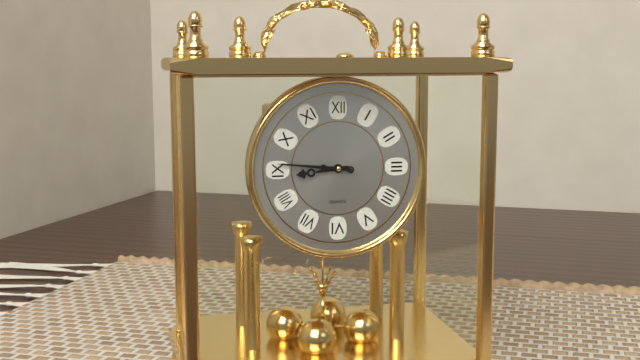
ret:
8.46
